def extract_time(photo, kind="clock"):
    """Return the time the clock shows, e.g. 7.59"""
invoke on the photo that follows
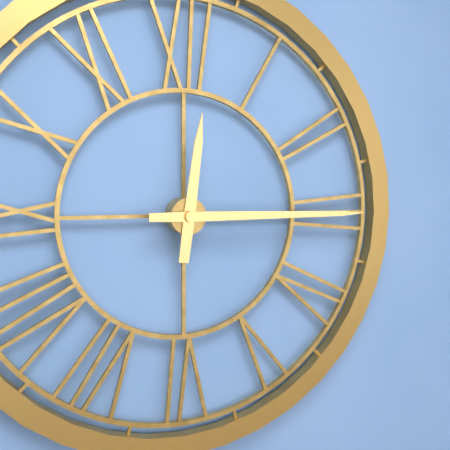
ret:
12.15
